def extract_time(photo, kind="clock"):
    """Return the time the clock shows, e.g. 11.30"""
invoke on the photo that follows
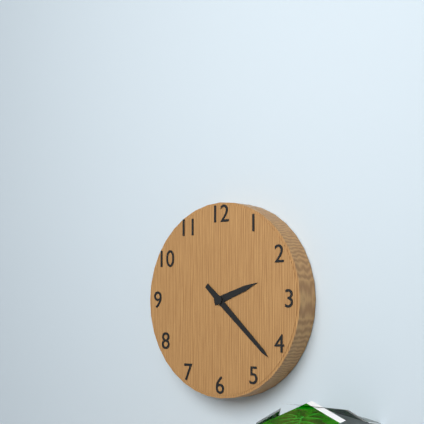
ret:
2.22
